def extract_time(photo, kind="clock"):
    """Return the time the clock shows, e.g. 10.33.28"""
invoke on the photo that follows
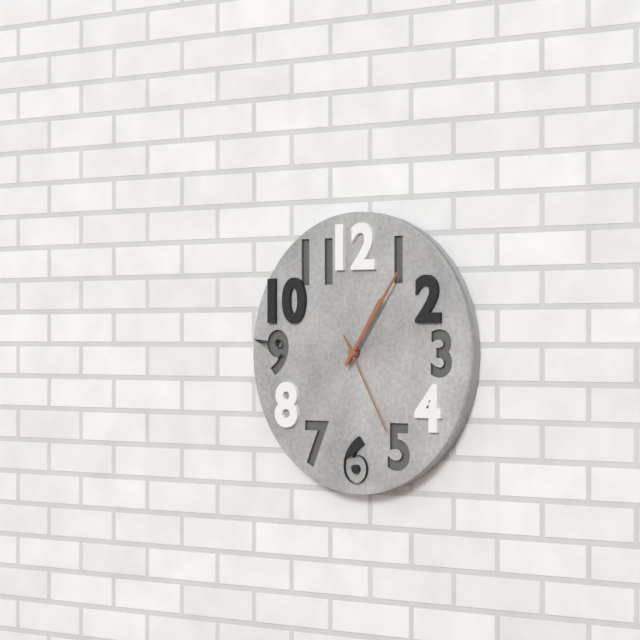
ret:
1.06.25
